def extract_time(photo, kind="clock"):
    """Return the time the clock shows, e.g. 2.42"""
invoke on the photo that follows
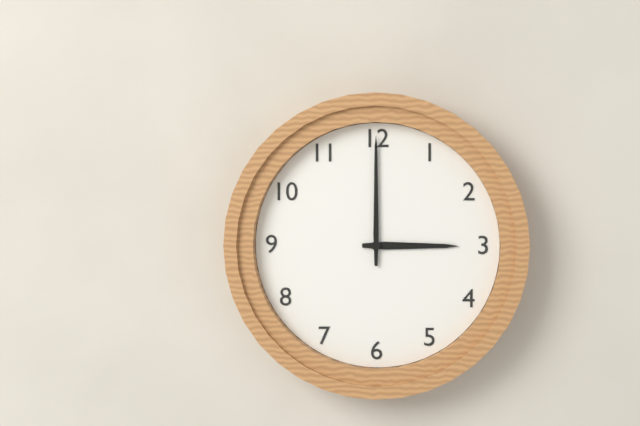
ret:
3.00
